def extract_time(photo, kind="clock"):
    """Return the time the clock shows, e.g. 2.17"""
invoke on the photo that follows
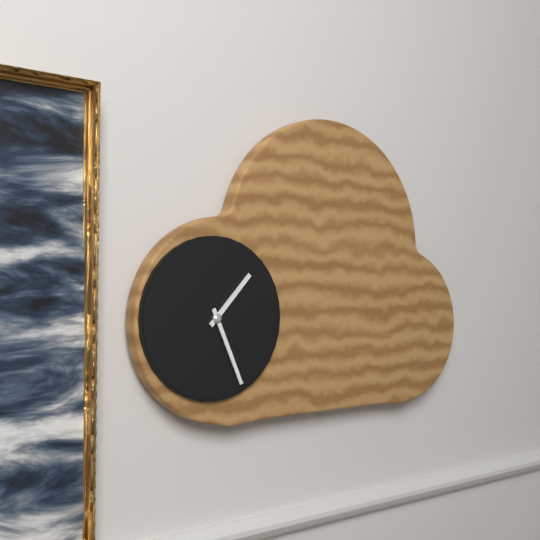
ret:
1.26
